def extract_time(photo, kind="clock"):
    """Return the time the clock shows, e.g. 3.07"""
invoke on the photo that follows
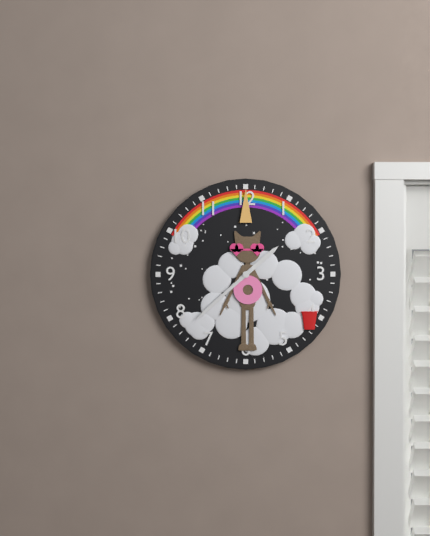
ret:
1.38
